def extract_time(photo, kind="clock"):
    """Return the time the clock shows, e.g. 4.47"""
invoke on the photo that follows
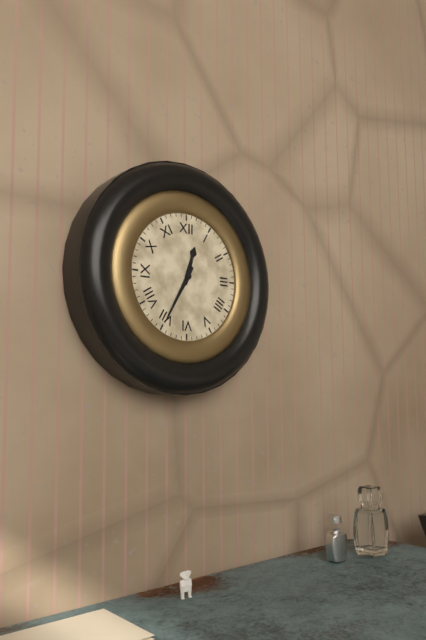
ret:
12.35
